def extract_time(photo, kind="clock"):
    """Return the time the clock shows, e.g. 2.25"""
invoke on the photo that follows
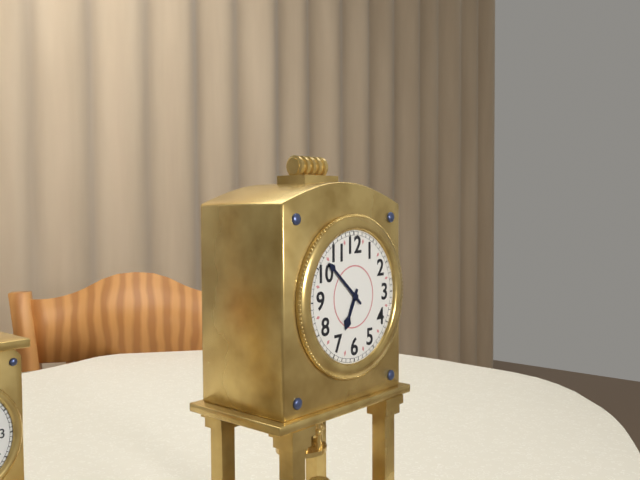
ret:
6.52
